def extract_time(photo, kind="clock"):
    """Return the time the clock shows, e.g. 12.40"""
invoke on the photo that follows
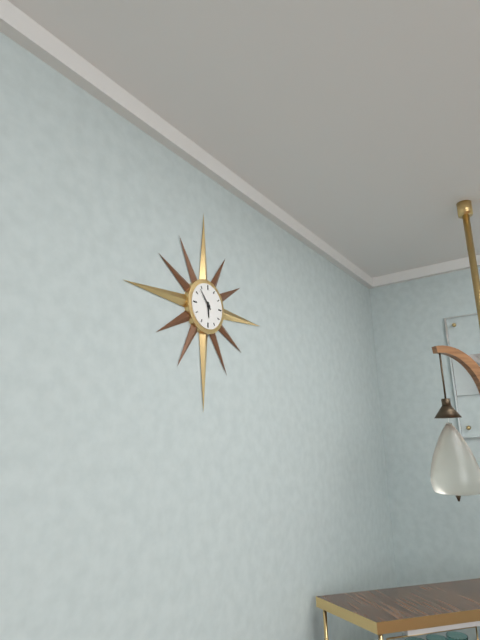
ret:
5.53
